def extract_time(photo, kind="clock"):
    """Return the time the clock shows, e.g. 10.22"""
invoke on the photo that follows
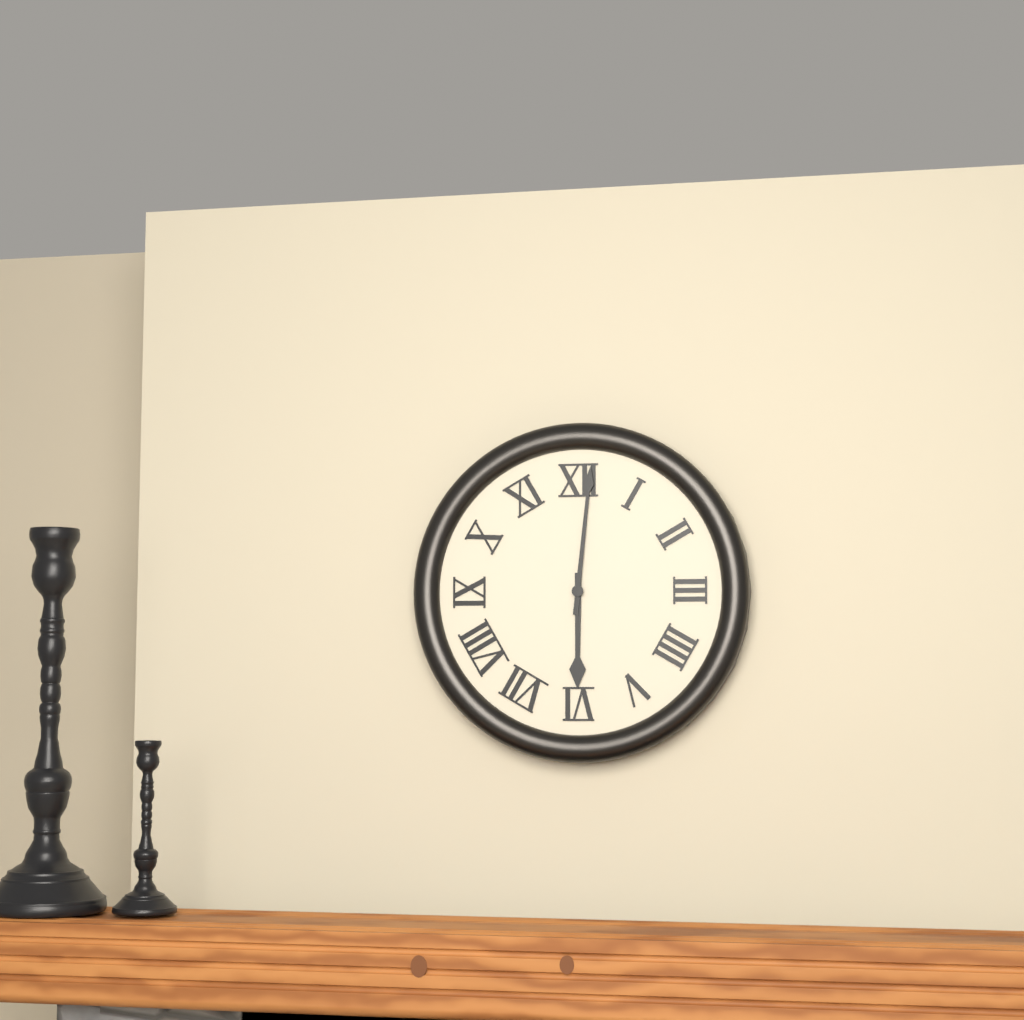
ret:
6.01
